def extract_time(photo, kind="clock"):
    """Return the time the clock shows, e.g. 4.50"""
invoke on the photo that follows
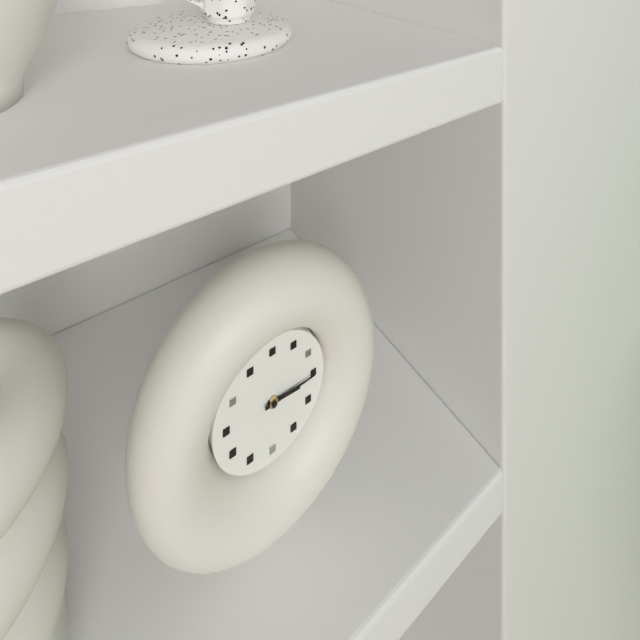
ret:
3.15
